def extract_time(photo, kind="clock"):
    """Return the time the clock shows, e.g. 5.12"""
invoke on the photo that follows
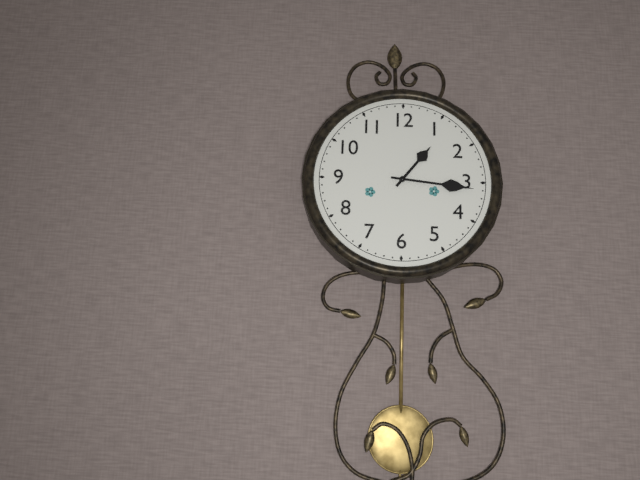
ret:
1.16
